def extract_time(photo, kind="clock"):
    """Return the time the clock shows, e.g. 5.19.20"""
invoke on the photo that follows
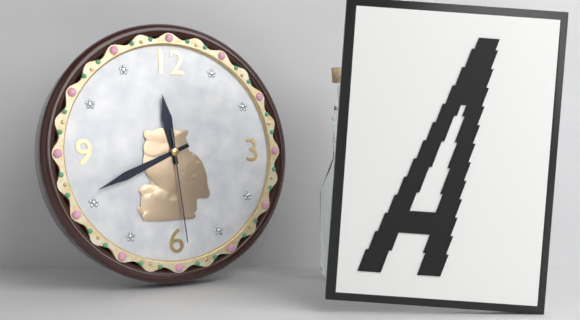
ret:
11.41.29
